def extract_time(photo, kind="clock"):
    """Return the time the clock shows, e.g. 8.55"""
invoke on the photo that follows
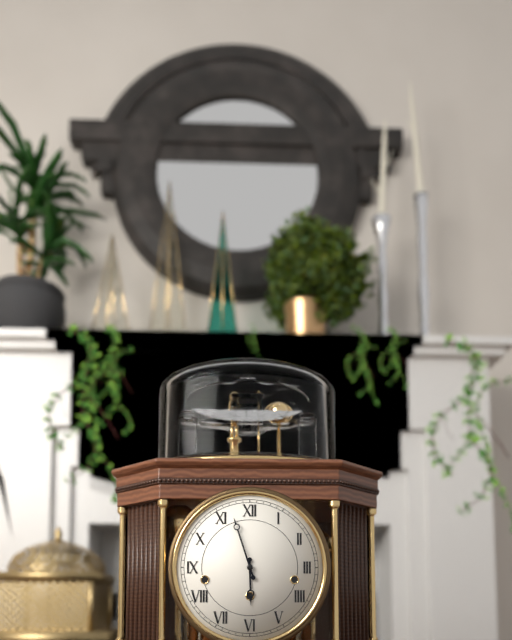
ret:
5.57
